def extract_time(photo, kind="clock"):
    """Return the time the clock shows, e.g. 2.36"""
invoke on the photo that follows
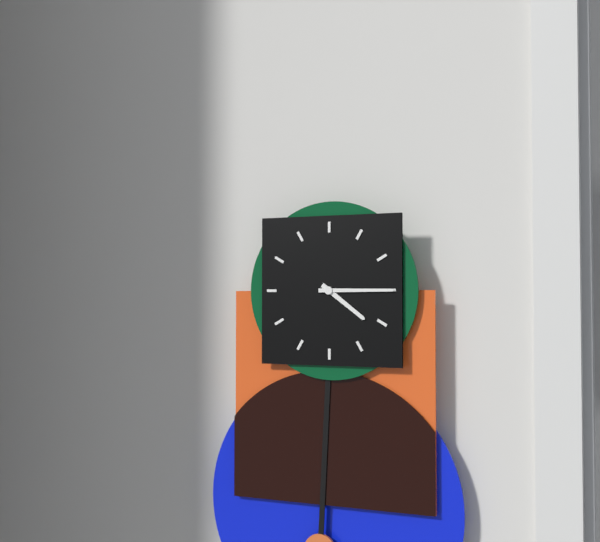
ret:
4.15
